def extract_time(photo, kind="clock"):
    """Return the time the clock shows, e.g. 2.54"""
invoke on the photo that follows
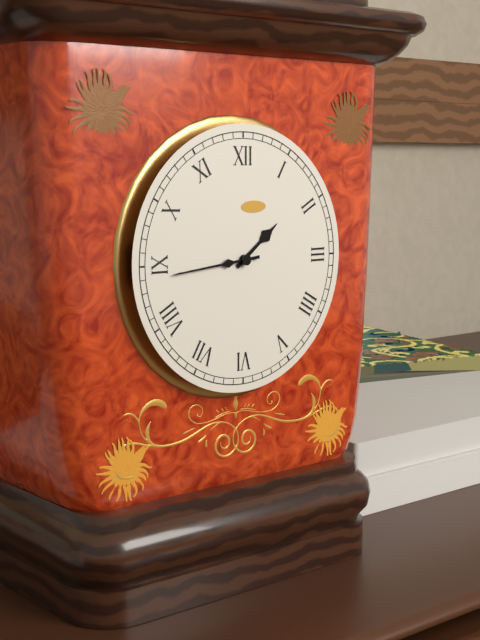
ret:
1.44
